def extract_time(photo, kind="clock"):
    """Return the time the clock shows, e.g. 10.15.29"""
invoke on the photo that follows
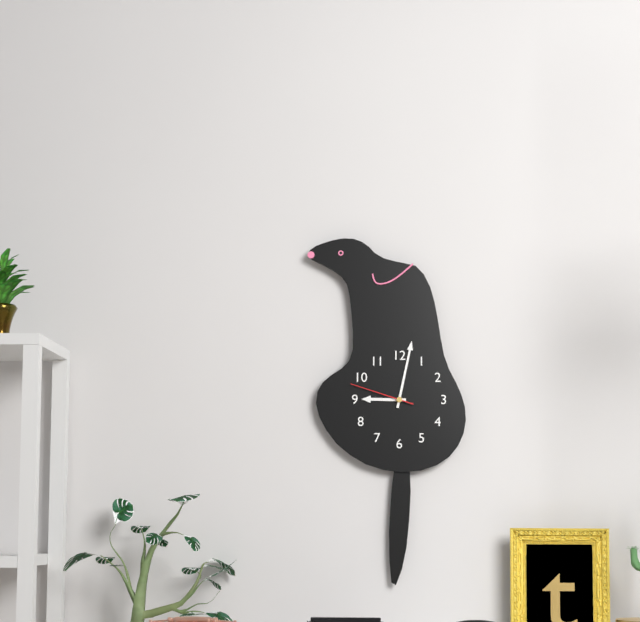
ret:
9.02.48
